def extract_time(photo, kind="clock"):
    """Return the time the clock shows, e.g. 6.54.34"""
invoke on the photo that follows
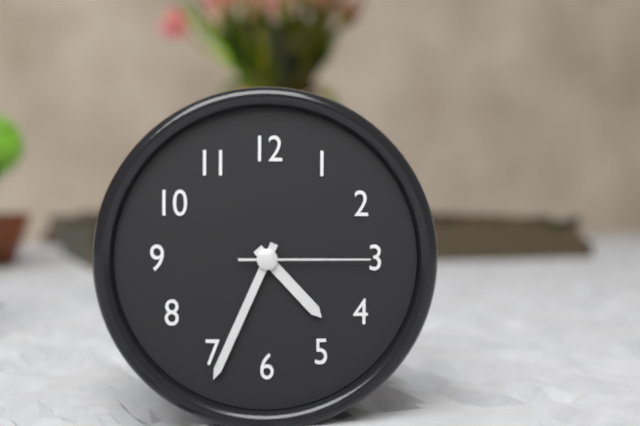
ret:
4.34.15
